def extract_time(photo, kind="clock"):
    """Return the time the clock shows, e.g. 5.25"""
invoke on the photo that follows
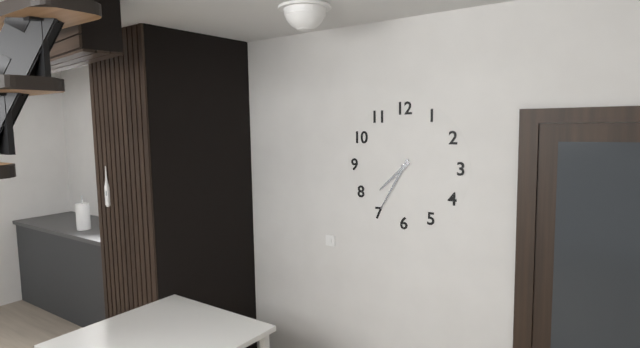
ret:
7.35
